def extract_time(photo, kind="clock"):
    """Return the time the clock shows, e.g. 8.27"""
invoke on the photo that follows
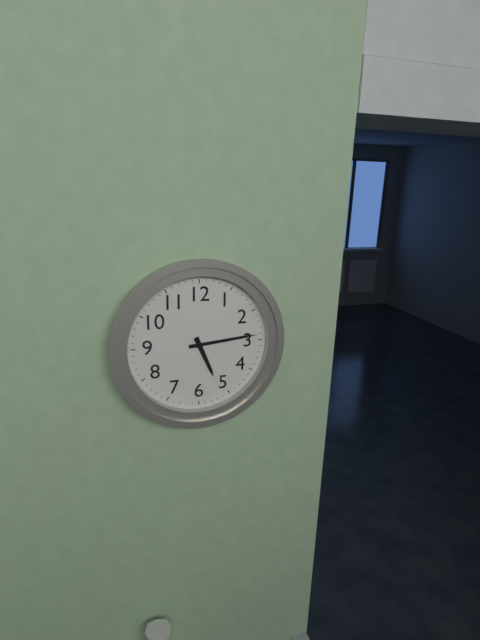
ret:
5.14
